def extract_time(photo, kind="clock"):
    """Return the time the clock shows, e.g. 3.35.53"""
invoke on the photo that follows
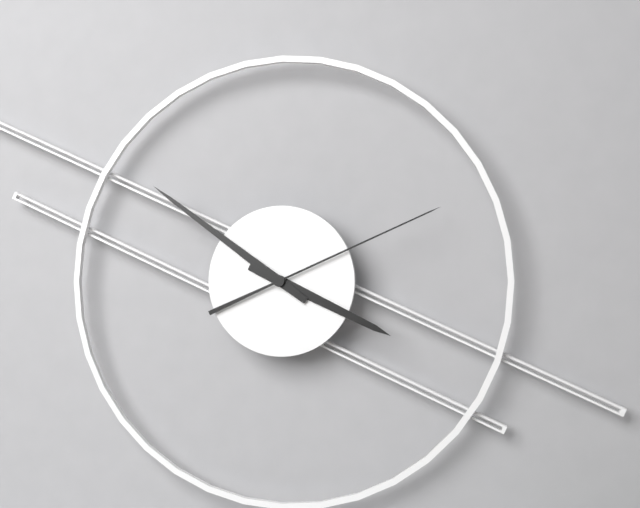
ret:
3.51.11
